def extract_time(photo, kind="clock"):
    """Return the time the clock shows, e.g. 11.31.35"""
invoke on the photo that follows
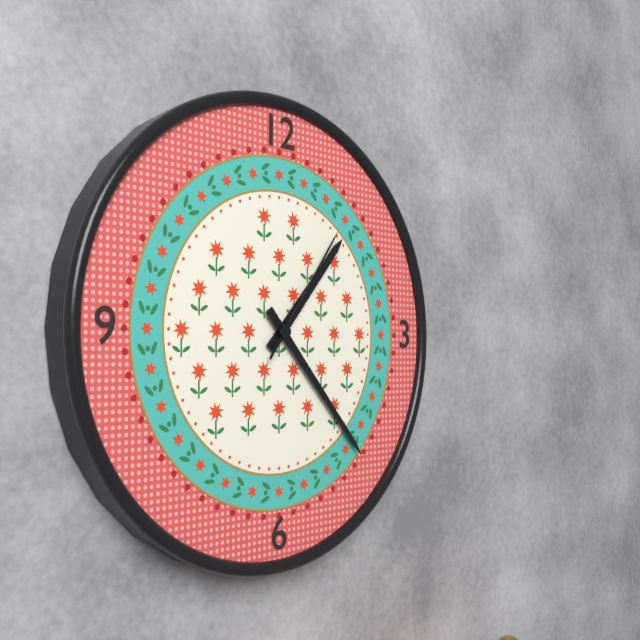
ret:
1.23.06
